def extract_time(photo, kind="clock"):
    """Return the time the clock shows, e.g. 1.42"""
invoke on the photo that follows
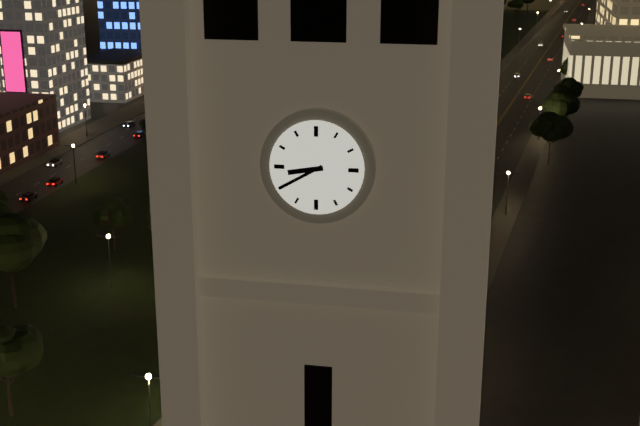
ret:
8.40
